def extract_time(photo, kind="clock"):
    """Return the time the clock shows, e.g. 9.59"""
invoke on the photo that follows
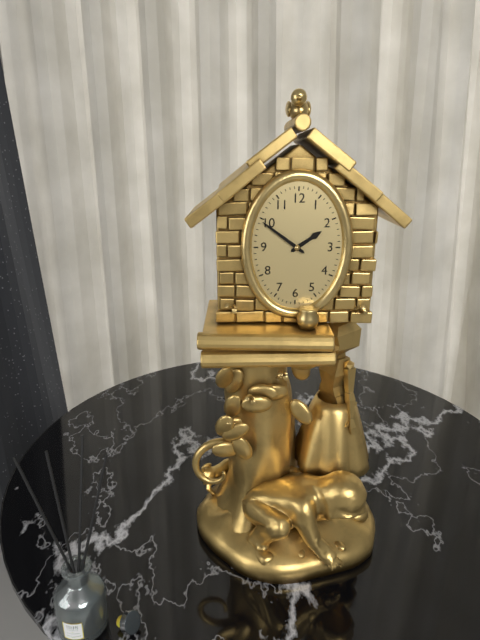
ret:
1.51
